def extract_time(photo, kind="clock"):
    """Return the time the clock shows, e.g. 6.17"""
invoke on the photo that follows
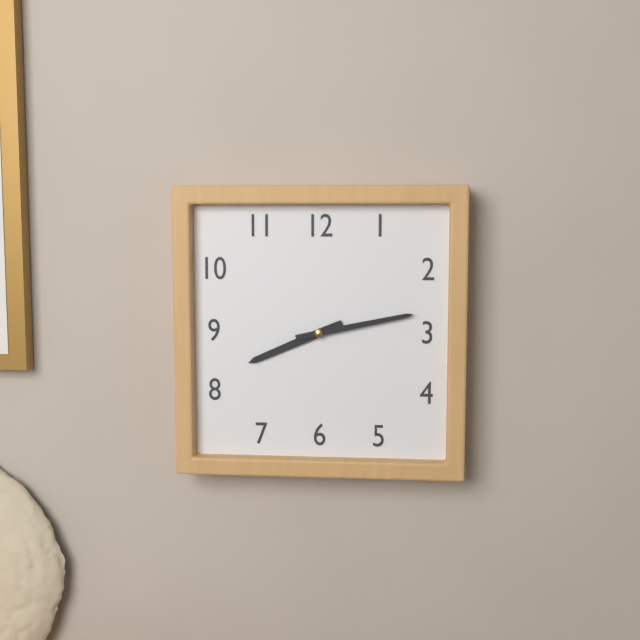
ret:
8.13
